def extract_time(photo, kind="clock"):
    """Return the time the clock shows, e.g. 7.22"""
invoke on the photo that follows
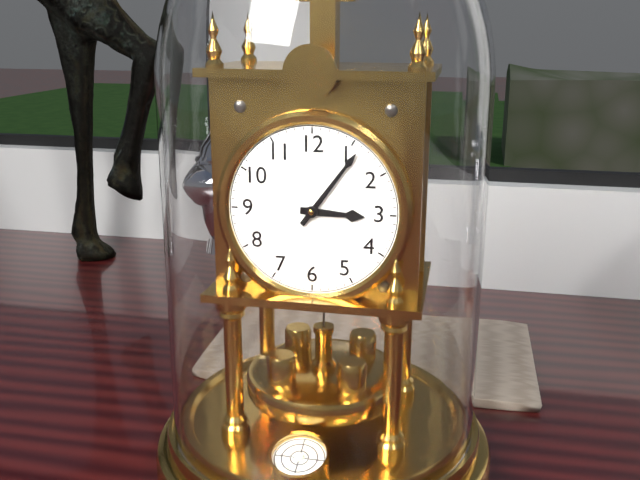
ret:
3.06
